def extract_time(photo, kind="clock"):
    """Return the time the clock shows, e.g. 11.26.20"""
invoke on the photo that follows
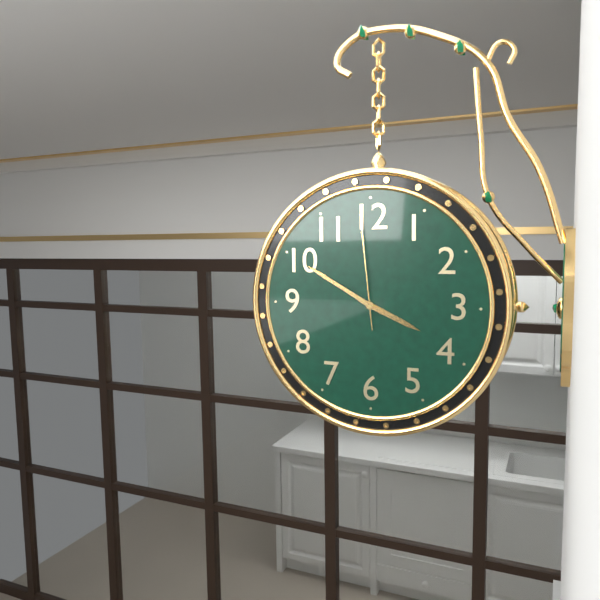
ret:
3.50.59
